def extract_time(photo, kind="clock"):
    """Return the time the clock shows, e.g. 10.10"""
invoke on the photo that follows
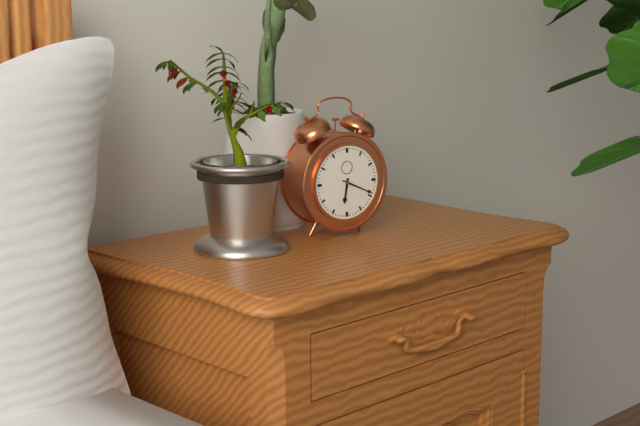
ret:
6.19
